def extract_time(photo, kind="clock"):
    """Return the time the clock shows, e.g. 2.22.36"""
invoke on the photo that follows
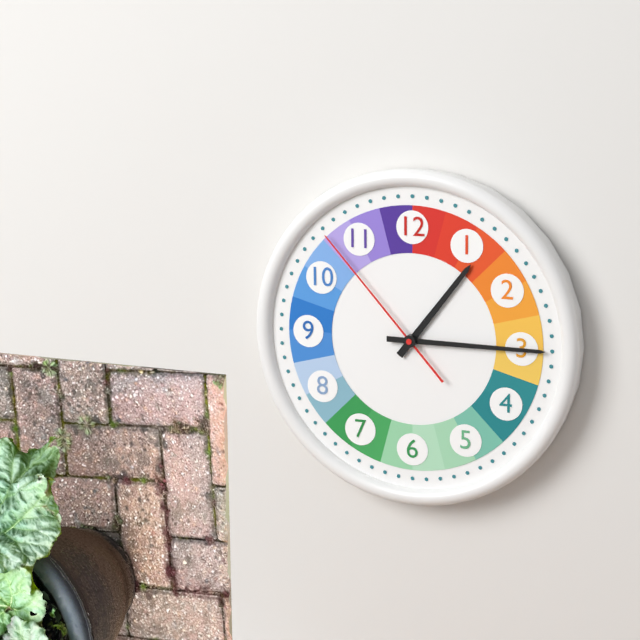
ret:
1.15.53
